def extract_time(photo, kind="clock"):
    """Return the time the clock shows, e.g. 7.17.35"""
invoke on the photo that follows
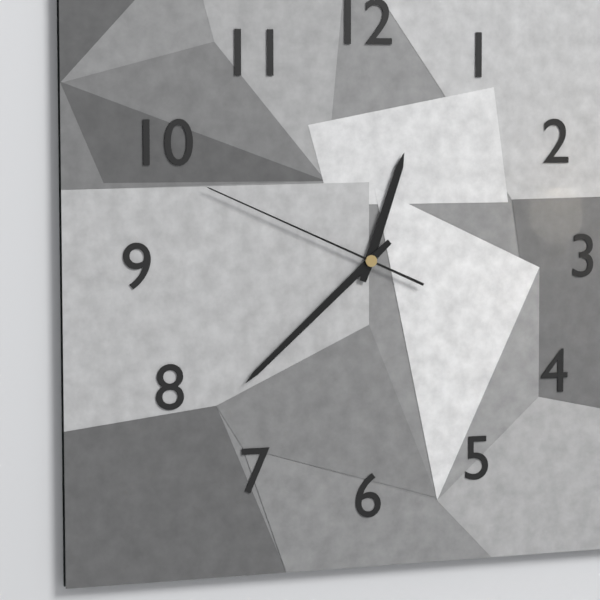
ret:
12.38.49
